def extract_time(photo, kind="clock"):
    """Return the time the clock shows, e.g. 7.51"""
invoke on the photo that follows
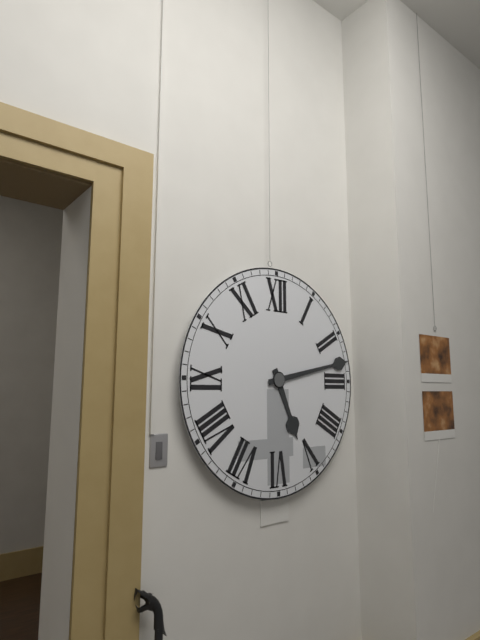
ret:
5.13
